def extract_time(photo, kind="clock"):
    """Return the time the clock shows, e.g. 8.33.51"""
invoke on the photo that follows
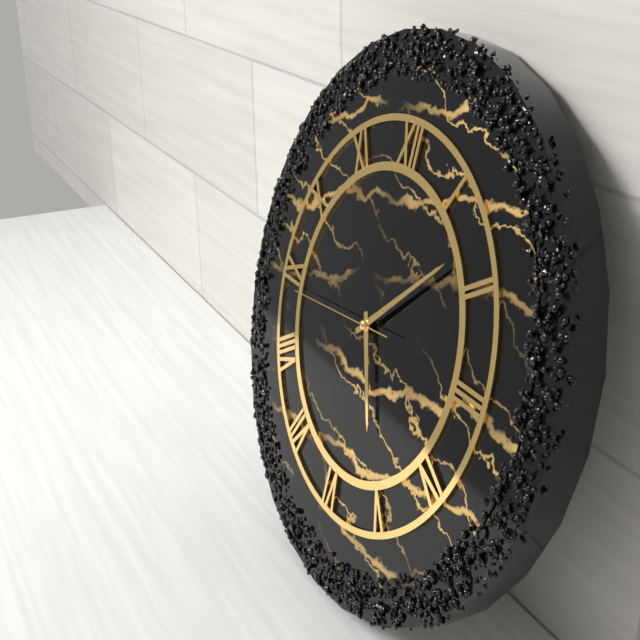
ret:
5.08.44
